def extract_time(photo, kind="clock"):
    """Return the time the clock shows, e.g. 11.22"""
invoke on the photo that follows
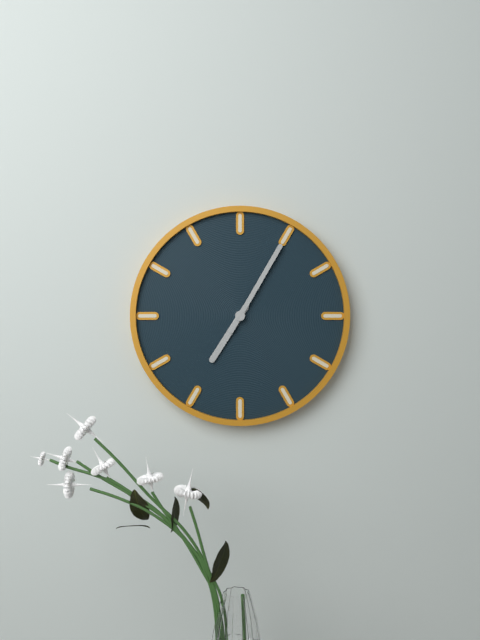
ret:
7.05
